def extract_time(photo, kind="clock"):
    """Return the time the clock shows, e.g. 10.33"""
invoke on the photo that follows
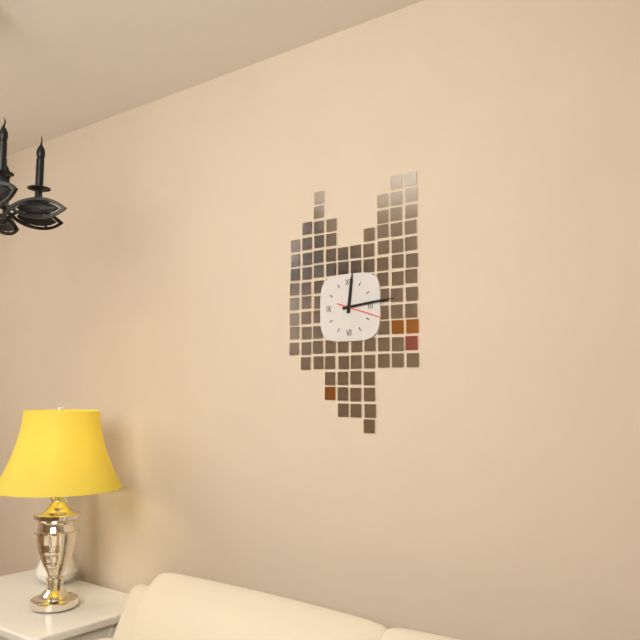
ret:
12.14
